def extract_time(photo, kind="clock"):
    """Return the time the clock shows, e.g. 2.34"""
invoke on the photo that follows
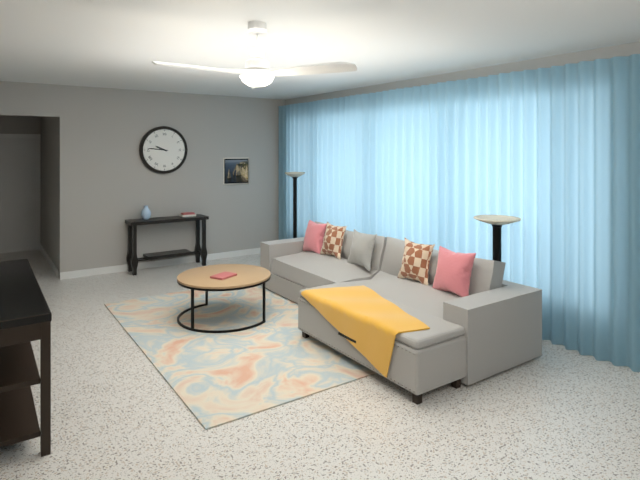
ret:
9.46
